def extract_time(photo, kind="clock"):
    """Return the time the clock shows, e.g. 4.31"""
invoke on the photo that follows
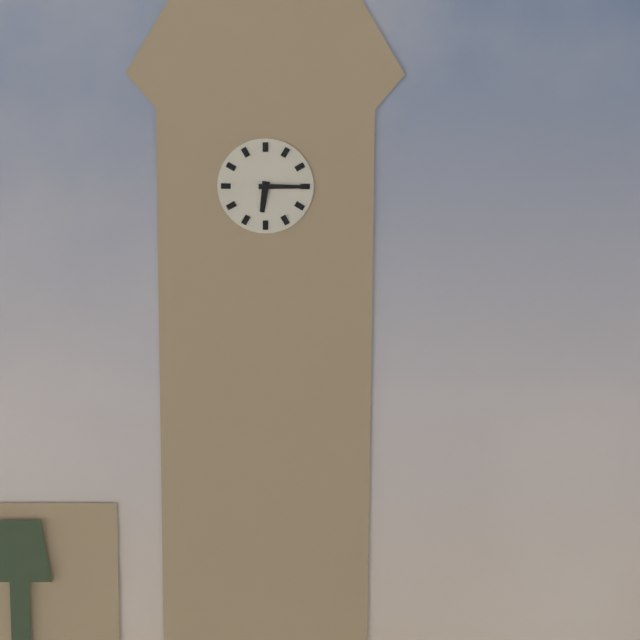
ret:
6.15
